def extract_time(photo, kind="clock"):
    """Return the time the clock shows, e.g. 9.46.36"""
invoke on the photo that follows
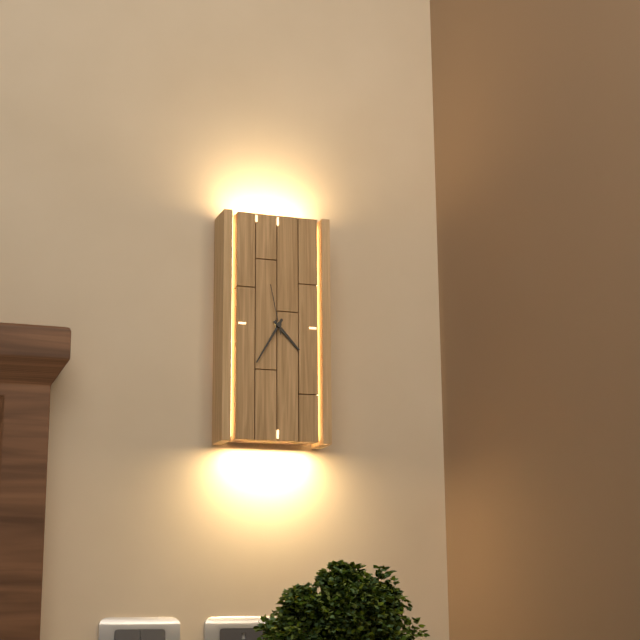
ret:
4.35.58
